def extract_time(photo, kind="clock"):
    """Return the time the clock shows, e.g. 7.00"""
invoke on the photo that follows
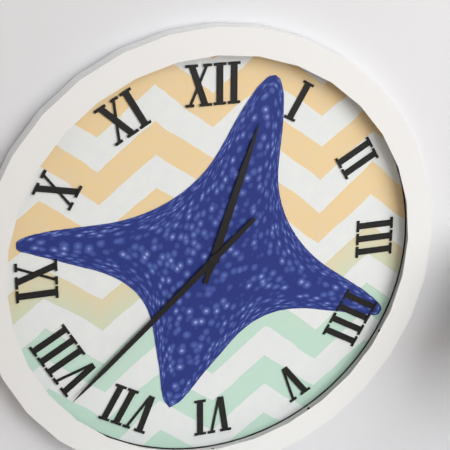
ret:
12.38
